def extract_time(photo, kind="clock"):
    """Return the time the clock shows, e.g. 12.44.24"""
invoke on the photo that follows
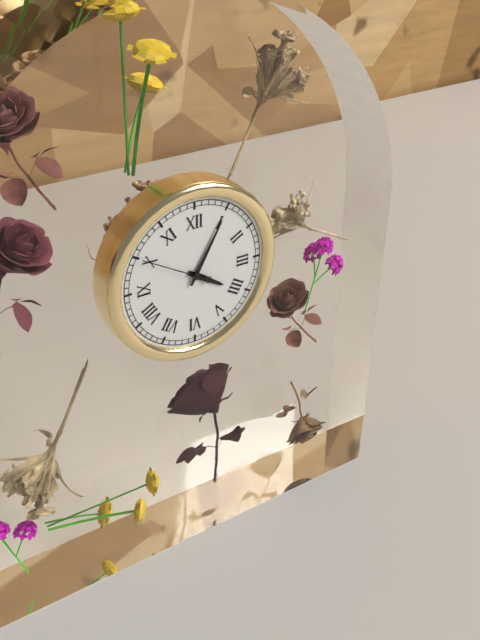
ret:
4.05.50
